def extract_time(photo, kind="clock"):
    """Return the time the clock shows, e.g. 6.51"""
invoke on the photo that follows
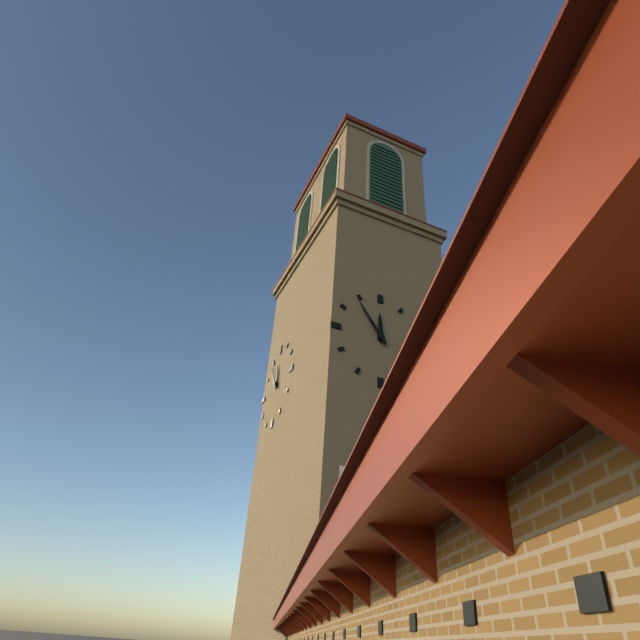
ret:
11.54
